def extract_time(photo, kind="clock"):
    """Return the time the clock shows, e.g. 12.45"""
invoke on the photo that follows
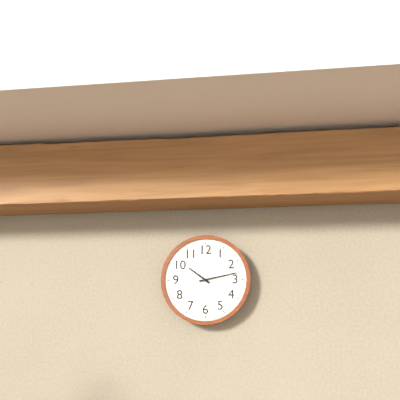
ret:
10.13
